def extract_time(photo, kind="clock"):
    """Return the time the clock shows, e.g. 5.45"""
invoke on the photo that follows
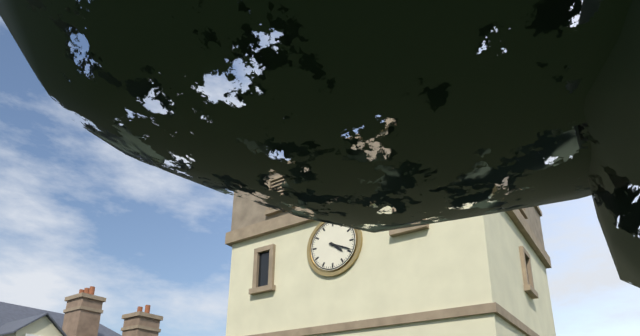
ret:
4.19
